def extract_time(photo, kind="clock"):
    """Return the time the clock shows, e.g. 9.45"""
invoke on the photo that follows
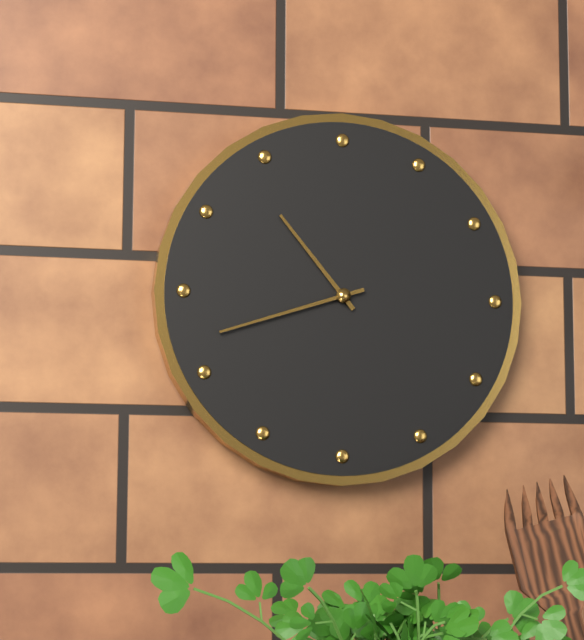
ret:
10.42
